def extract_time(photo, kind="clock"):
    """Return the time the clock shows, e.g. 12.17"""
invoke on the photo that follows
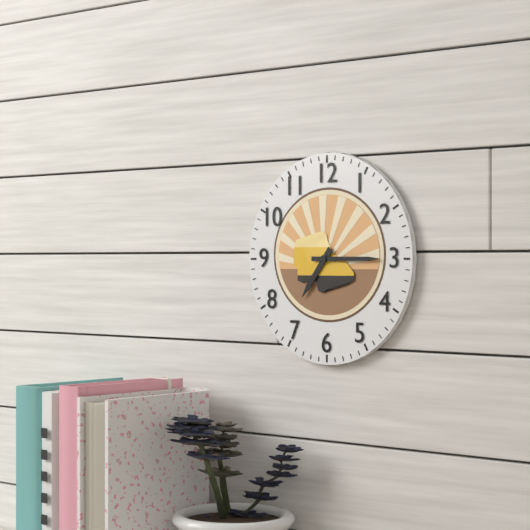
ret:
7.15
